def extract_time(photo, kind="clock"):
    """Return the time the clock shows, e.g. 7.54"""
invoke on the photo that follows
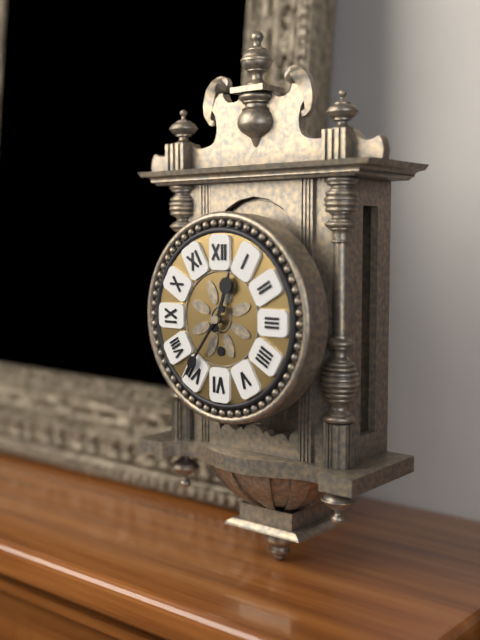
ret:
12.36
